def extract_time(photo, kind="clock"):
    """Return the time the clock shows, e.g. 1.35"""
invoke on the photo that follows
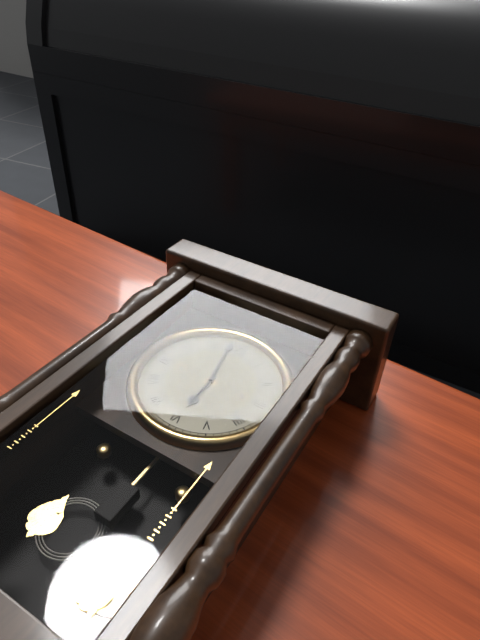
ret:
5.58
